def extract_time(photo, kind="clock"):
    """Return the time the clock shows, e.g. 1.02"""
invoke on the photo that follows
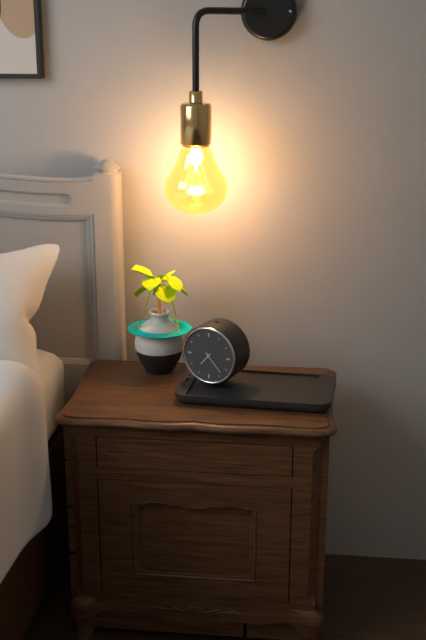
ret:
7.23
